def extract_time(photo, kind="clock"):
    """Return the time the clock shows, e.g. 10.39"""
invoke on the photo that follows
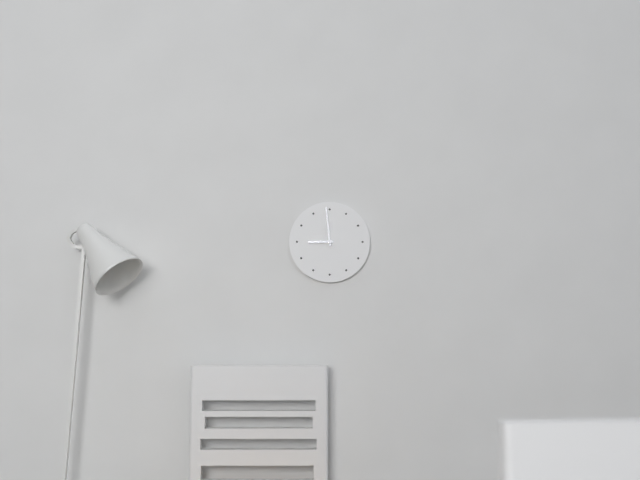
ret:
8.59
